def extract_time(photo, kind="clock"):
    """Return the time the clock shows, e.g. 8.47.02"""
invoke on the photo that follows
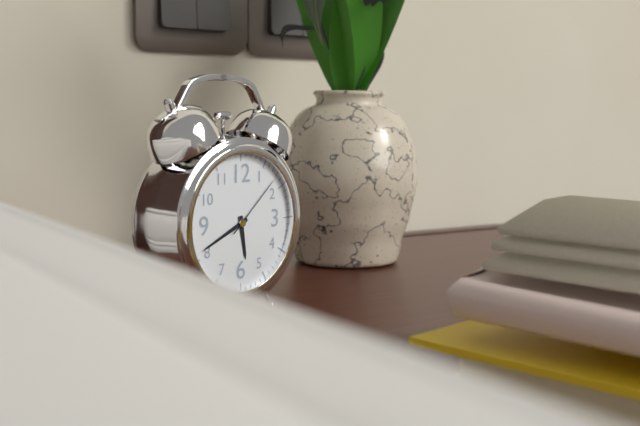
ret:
5.41.08
